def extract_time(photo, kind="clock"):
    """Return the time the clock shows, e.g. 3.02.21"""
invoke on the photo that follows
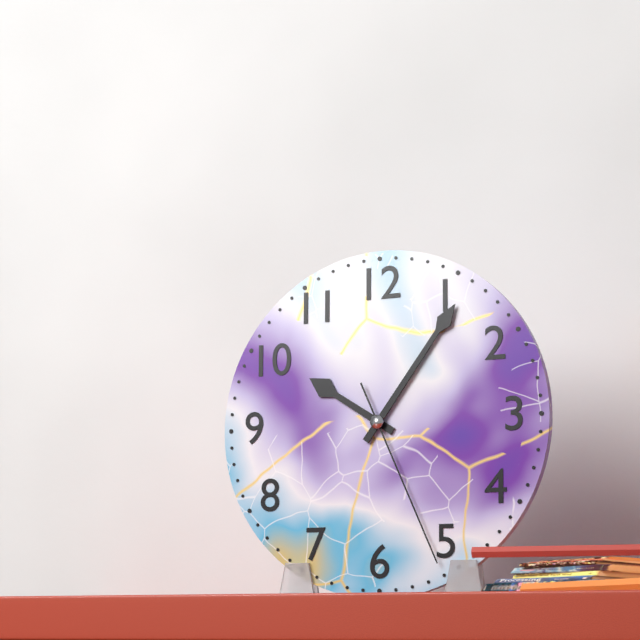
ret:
10.06.26
